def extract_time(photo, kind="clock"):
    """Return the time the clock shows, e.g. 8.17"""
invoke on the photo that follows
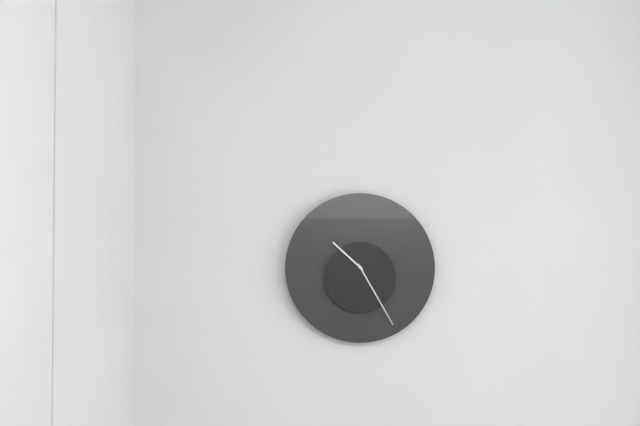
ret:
10.25
